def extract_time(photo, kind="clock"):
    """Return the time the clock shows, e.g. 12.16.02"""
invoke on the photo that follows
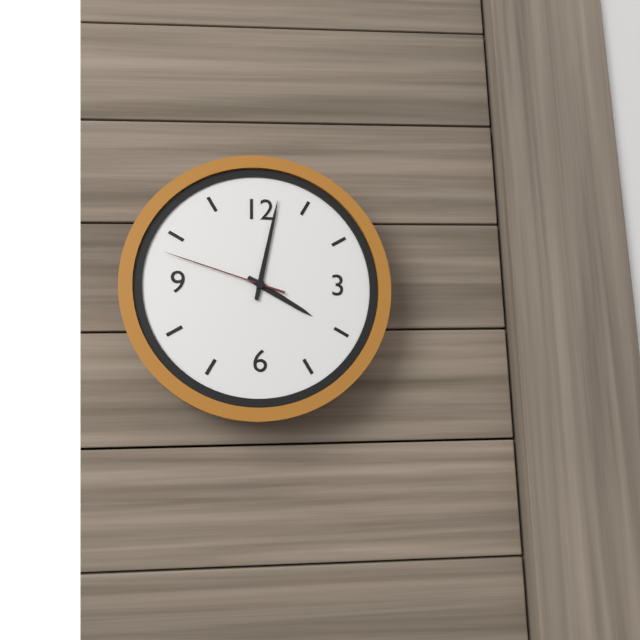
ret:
4.02.48
